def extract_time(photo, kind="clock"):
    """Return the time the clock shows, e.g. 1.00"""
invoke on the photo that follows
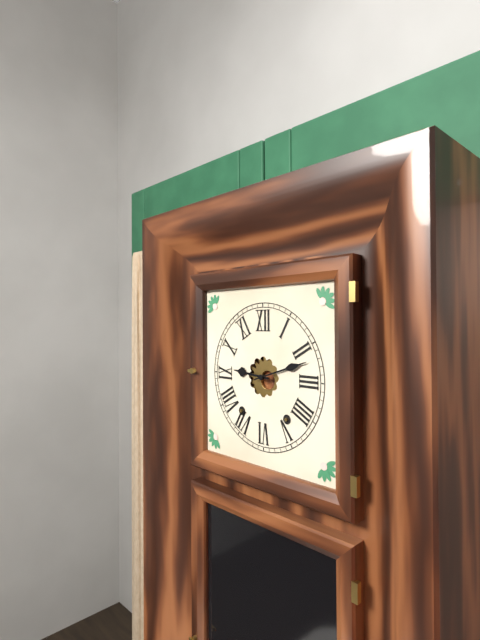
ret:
9.12
